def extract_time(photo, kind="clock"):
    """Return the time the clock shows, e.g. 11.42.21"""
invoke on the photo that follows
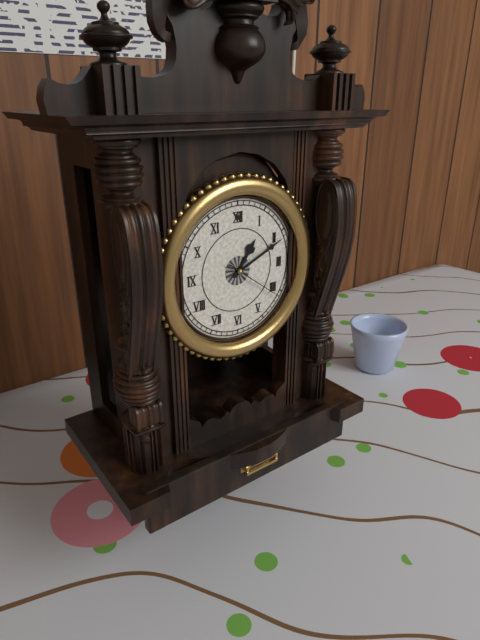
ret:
1.11.21
